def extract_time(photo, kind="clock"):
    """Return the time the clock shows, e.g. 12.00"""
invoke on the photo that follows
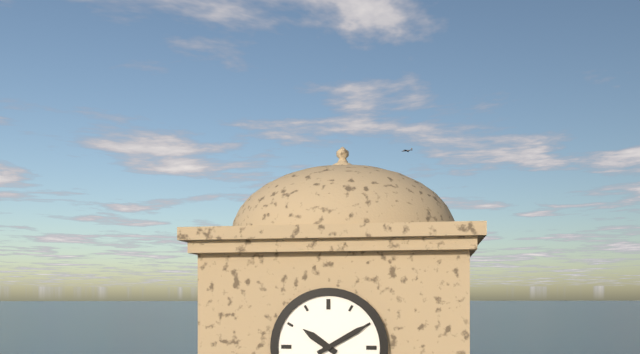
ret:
10.10
